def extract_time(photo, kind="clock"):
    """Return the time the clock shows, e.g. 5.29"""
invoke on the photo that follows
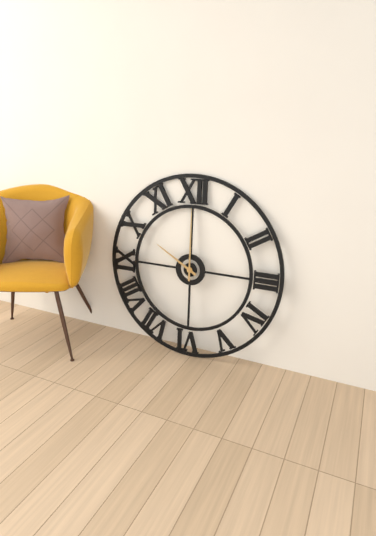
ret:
10.00
